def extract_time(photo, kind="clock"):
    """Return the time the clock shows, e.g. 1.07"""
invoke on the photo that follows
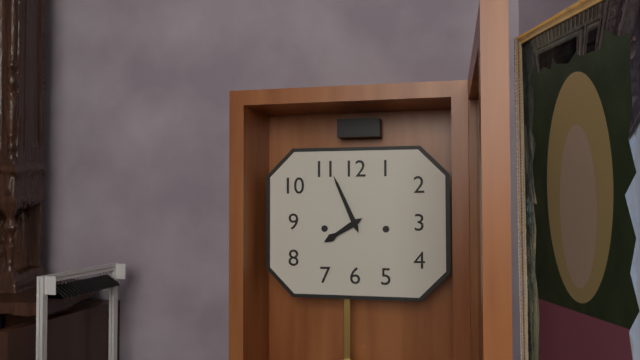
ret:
7.56
